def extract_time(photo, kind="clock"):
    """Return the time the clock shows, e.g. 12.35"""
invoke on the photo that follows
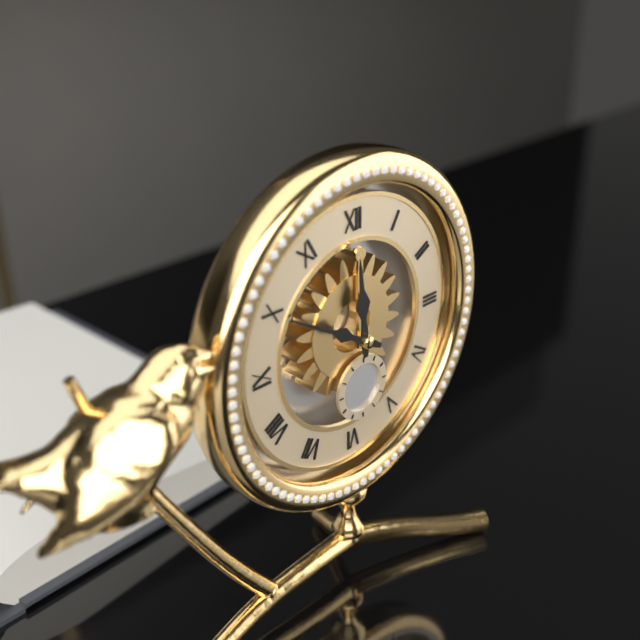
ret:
11.50
